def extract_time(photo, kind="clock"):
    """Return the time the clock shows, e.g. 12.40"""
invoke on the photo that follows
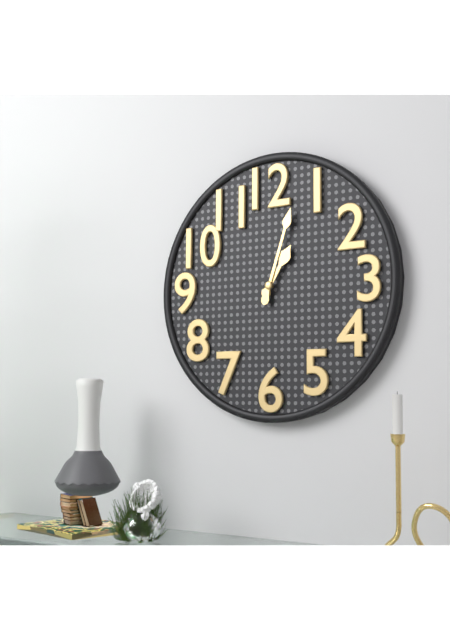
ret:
1.03
